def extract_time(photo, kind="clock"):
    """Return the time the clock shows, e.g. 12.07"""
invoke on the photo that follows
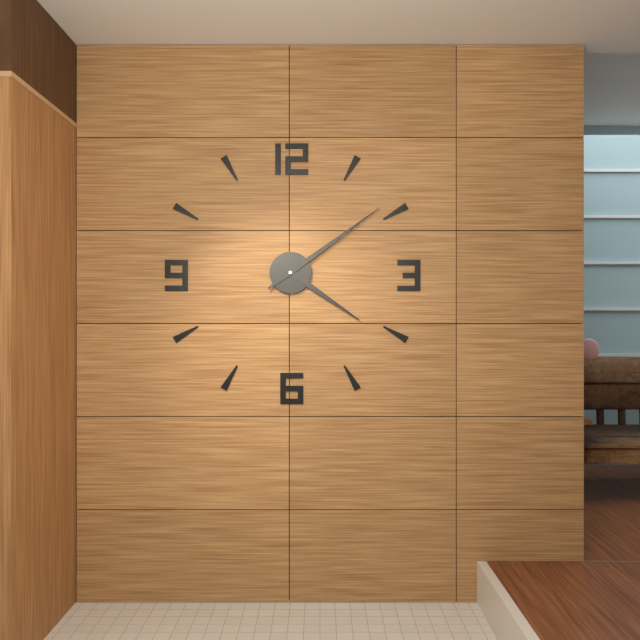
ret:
4.09
